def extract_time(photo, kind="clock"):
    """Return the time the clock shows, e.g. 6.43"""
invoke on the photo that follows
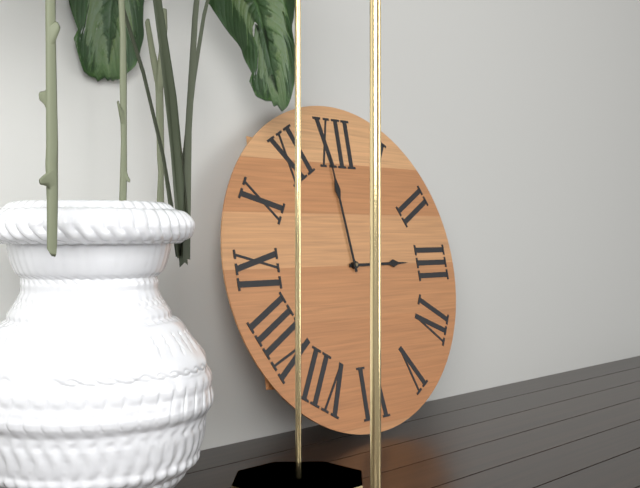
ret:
2.59
